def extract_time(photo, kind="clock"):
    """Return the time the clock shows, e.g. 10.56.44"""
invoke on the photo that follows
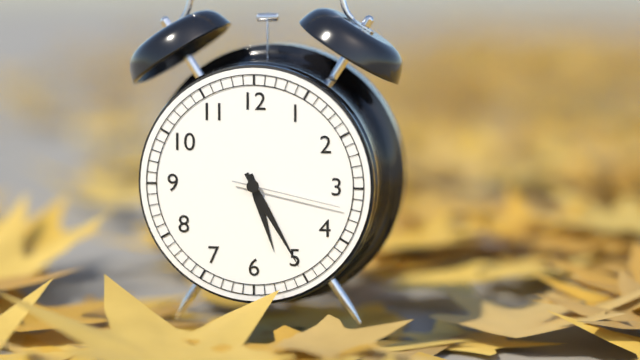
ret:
5.25.17
